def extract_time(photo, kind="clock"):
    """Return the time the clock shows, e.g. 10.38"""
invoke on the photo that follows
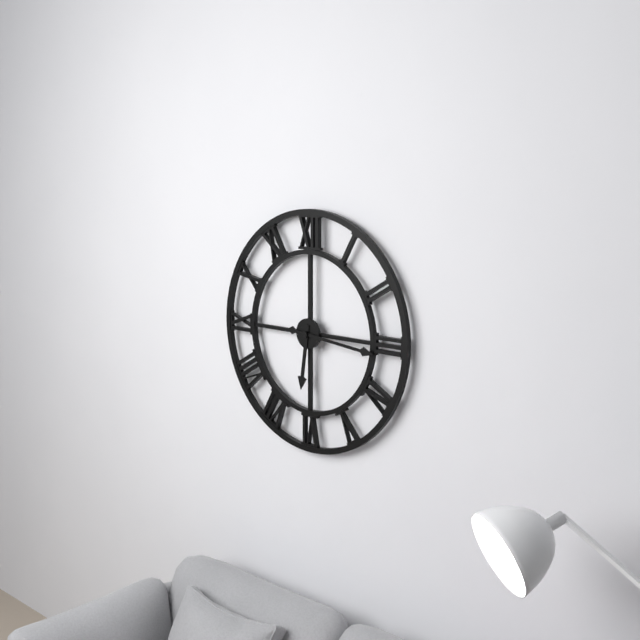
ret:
6.16
